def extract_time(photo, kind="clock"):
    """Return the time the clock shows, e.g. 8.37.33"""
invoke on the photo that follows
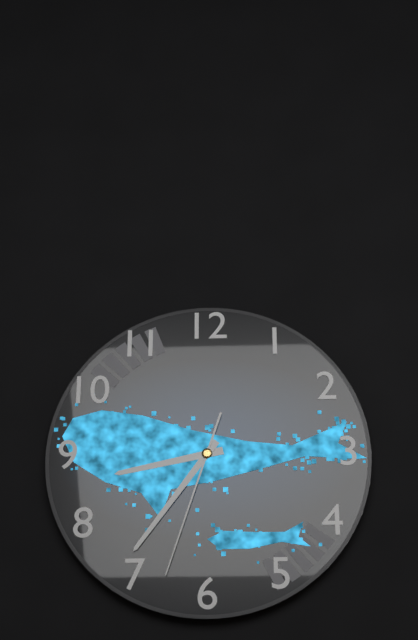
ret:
8.36.33
